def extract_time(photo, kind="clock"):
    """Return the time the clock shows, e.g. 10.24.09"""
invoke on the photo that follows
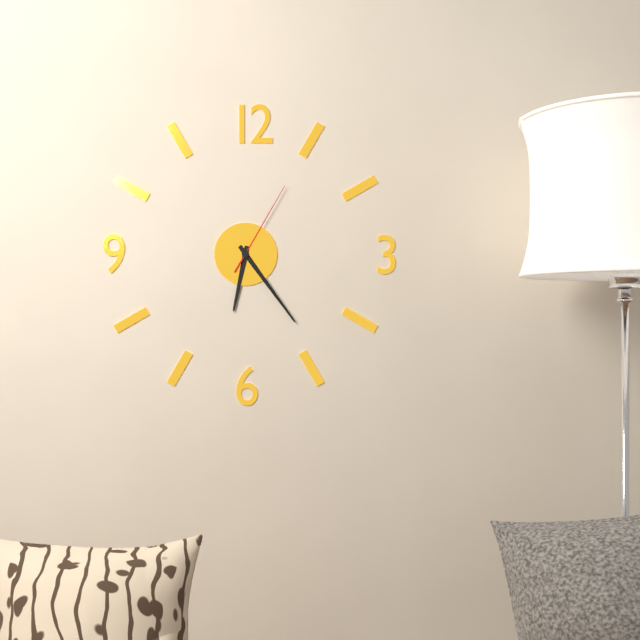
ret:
6.24.05
